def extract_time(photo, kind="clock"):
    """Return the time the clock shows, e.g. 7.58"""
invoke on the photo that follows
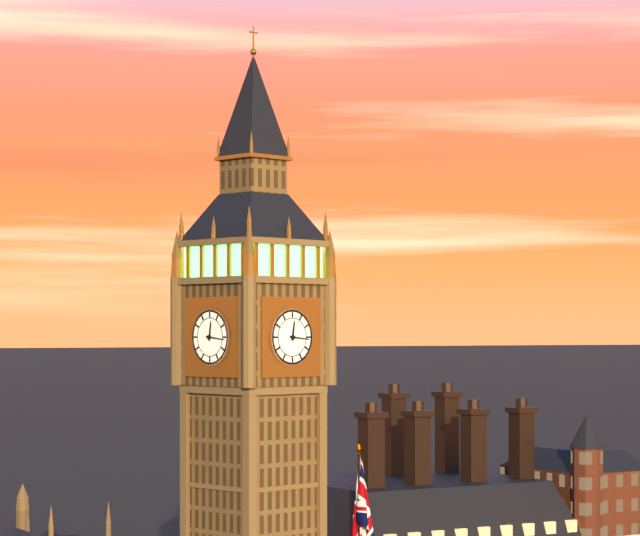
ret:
12.16
